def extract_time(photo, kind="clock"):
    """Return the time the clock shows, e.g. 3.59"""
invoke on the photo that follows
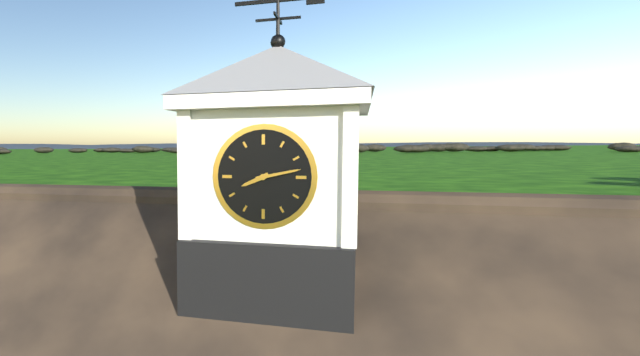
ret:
8.13
